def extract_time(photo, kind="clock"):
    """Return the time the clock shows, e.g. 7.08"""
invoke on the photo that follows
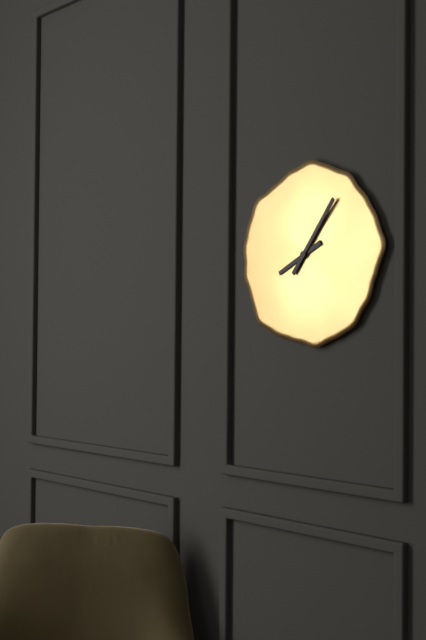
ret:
8.06
